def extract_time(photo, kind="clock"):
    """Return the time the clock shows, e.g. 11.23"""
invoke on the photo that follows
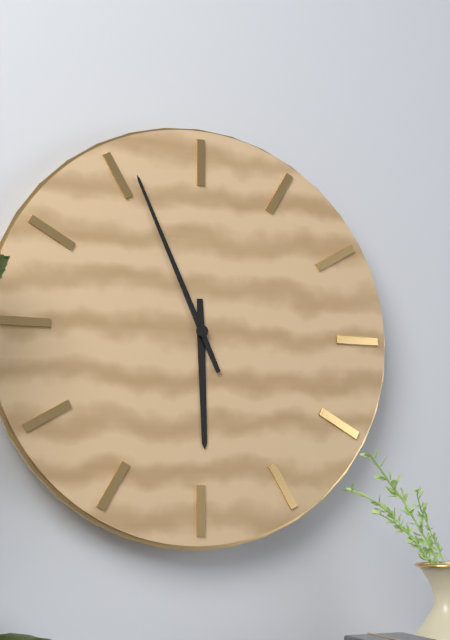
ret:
5.56
